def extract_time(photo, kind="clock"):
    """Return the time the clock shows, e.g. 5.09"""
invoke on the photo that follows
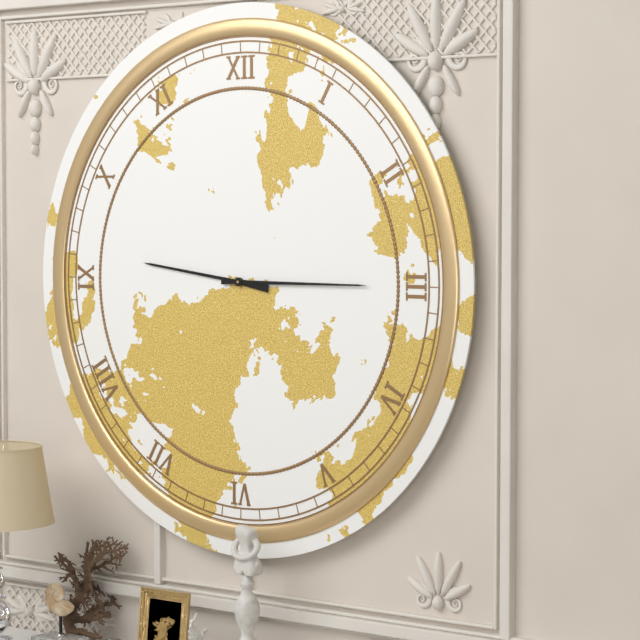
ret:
9.15
